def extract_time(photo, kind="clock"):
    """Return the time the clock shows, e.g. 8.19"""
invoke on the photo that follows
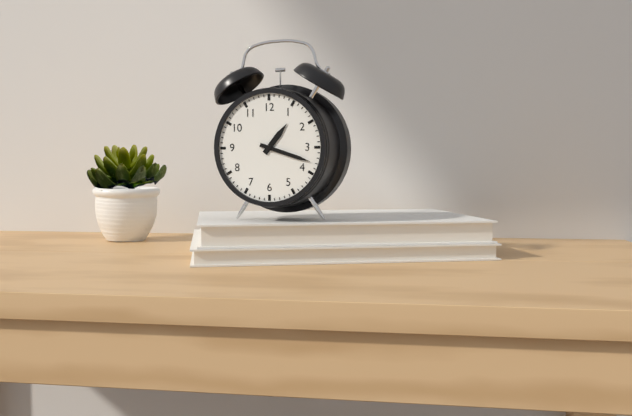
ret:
1.18
